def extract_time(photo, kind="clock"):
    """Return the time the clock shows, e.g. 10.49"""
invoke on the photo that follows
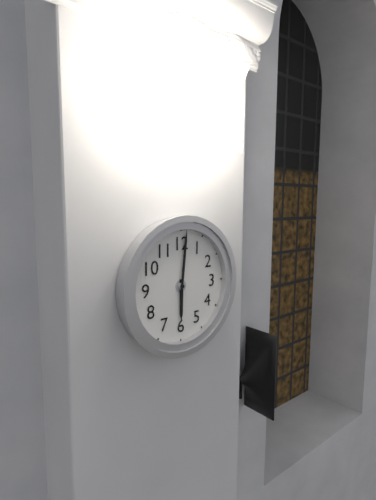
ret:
6.01
